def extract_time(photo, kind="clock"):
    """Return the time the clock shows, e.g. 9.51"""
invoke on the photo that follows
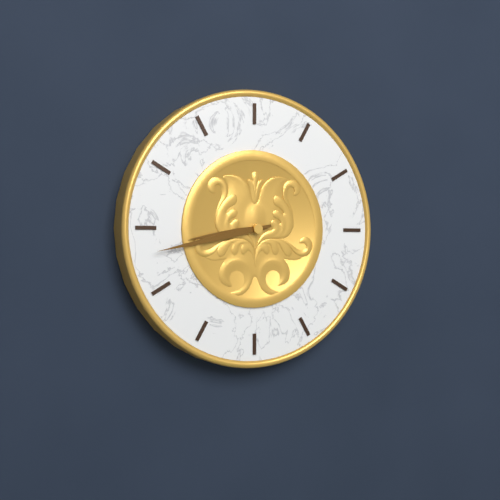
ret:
8.43
